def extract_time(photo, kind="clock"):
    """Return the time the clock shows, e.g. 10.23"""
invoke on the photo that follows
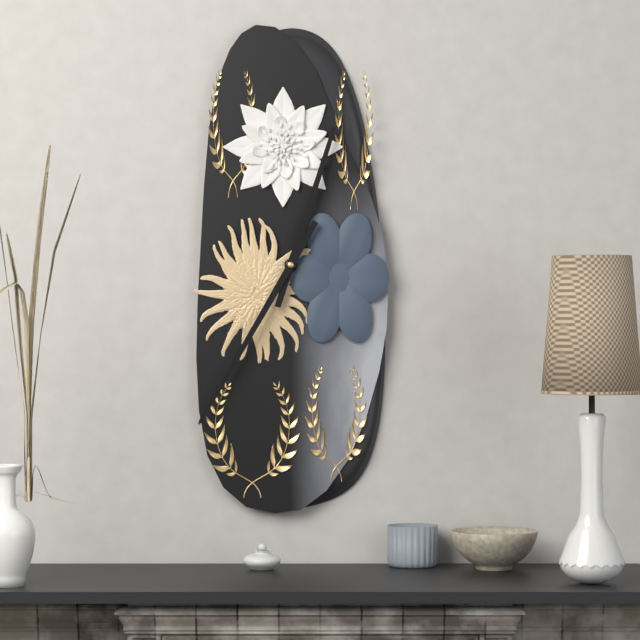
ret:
12.35
